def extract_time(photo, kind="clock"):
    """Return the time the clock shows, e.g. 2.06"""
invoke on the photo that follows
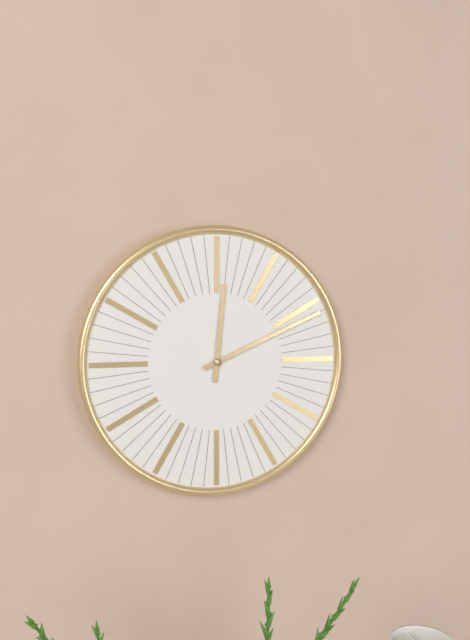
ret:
12.11
